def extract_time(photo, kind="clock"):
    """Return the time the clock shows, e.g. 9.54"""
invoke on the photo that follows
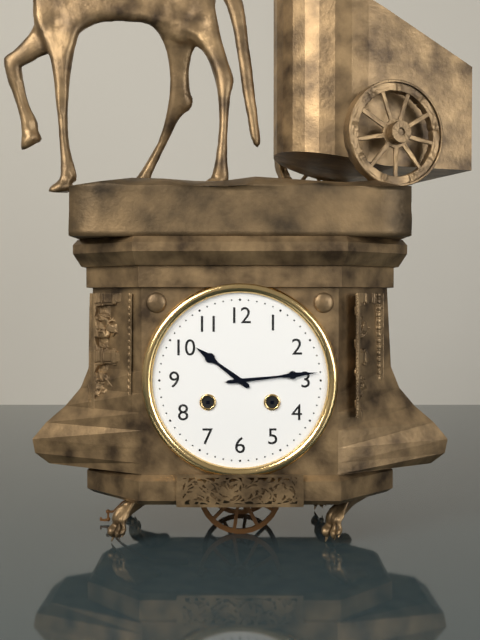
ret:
10.14
